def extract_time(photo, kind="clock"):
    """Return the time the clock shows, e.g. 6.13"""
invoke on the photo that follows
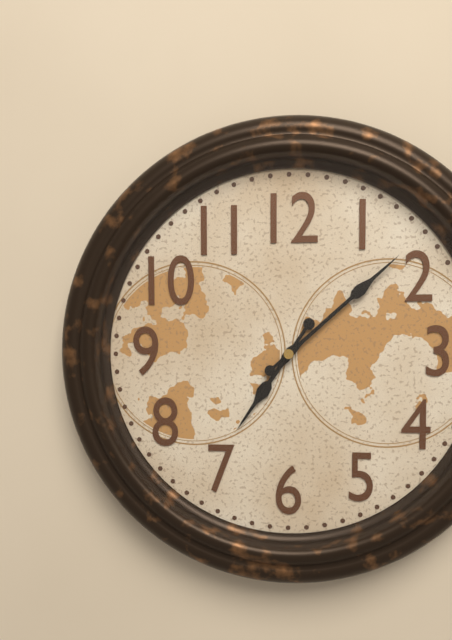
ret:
7.08
